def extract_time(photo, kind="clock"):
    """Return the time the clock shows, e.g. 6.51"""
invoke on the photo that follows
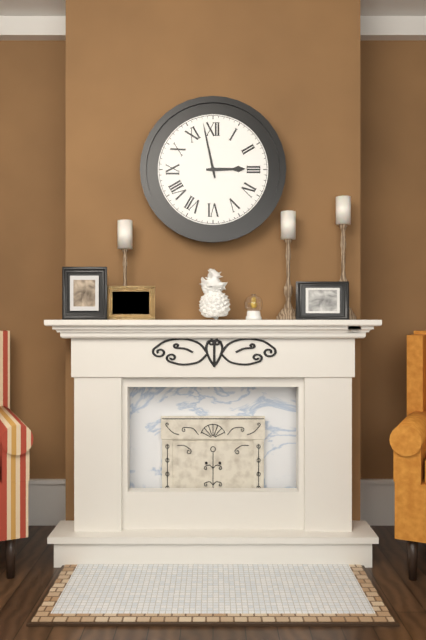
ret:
2.58
